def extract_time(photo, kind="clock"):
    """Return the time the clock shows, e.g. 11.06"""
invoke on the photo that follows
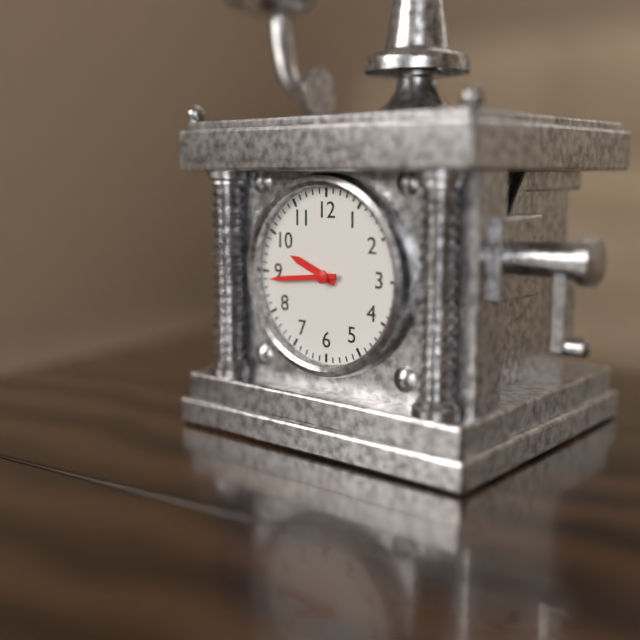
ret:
9.44
